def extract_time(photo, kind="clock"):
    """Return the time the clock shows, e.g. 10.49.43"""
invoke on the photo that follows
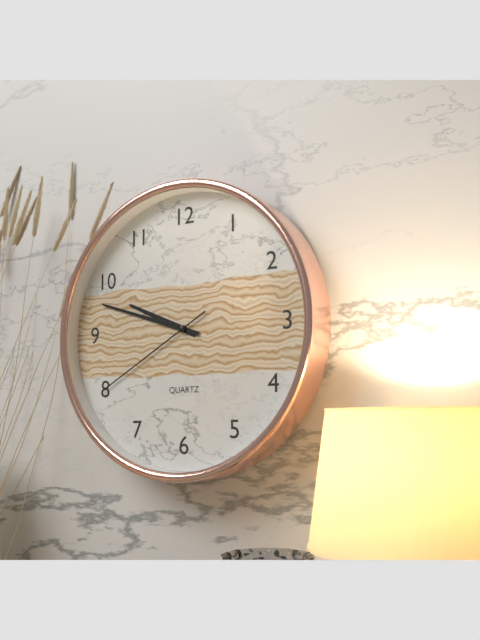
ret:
9.48.40
